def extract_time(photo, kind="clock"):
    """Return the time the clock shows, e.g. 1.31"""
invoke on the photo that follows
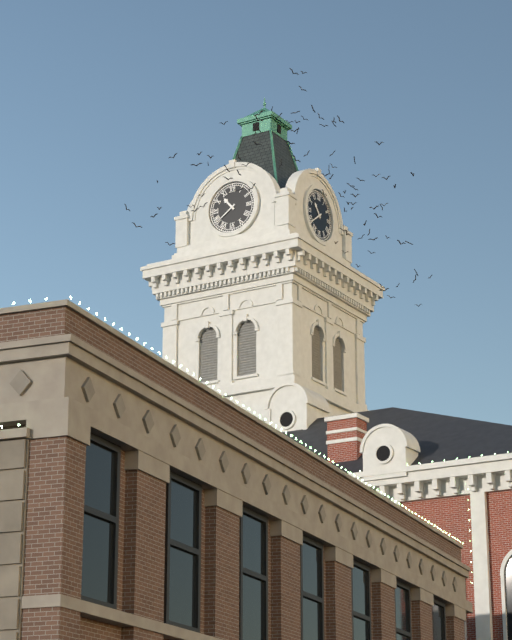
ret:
10.39
